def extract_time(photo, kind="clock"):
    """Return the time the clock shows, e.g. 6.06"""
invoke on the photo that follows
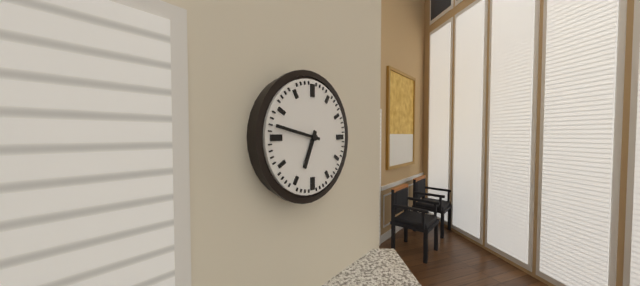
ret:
6.47
